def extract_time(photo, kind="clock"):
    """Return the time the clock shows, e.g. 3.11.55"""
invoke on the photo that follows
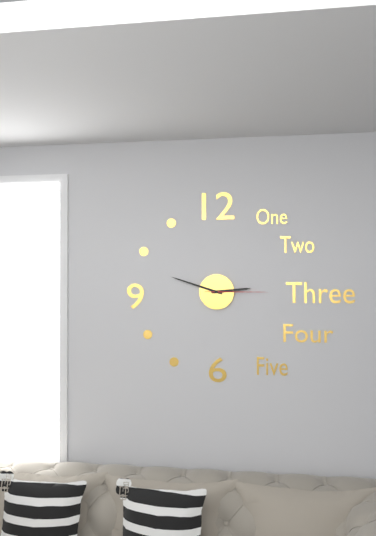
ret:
2.48.15
